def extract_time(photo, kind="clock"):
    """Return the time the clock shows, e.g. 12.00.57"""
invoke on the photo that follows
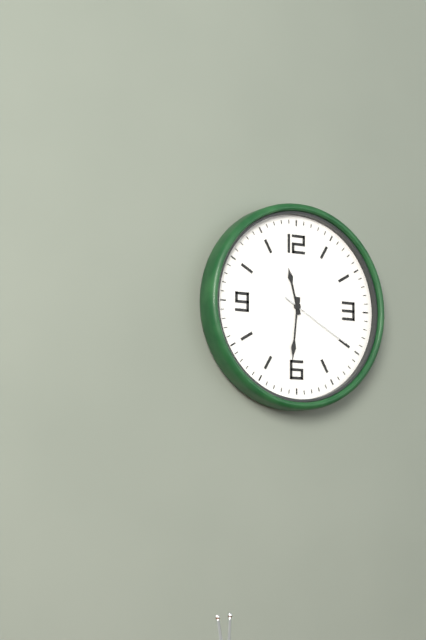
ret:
11.31.20
